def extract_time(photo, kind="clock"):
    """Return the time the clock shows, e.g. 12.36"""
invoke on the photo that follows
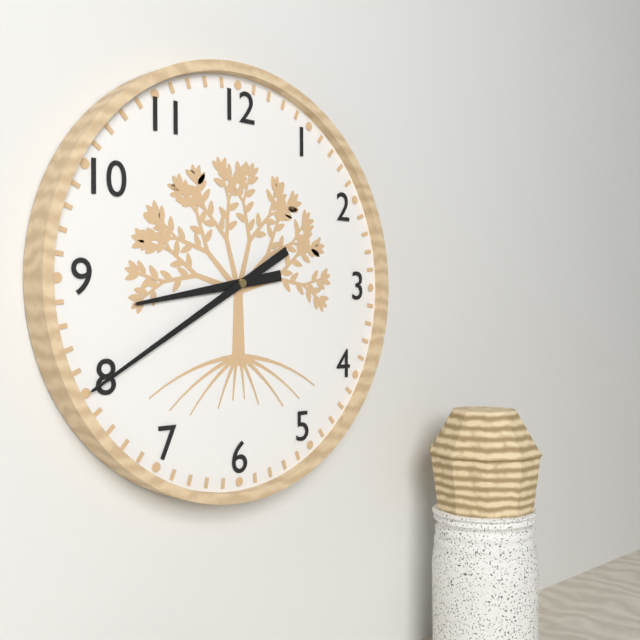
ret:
8.40
